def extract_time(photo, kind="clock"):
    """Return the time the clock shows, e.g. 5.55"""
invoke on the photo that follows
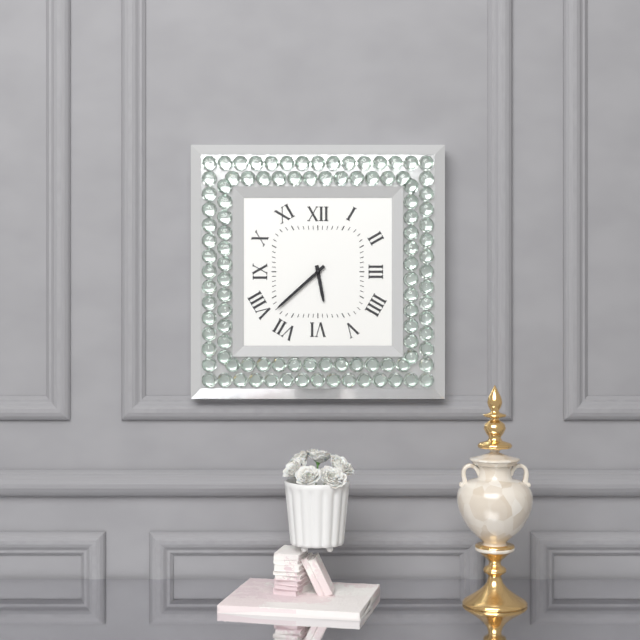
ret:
5.38
